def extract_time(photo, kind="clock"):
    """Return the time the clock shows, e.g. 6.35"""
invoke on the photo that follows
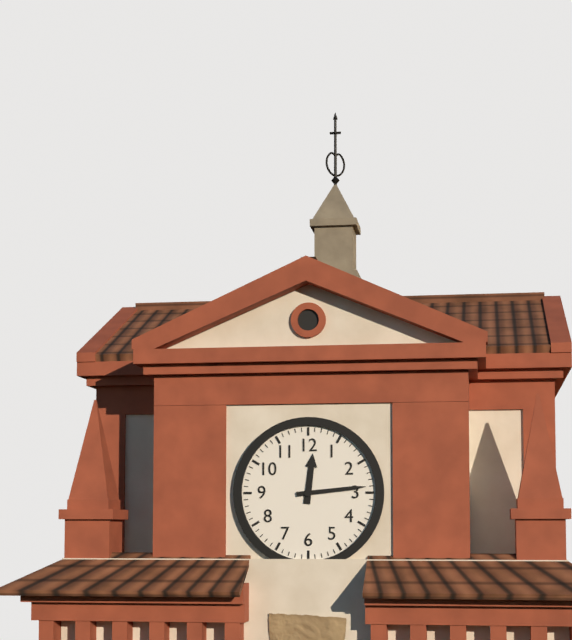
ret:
12.14
